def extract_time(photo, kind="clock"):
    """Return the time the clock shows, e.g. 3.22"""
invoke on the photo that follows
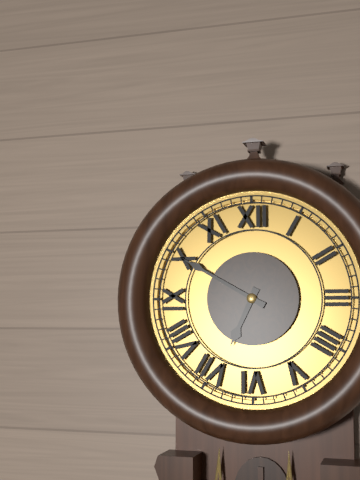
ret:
6.50
